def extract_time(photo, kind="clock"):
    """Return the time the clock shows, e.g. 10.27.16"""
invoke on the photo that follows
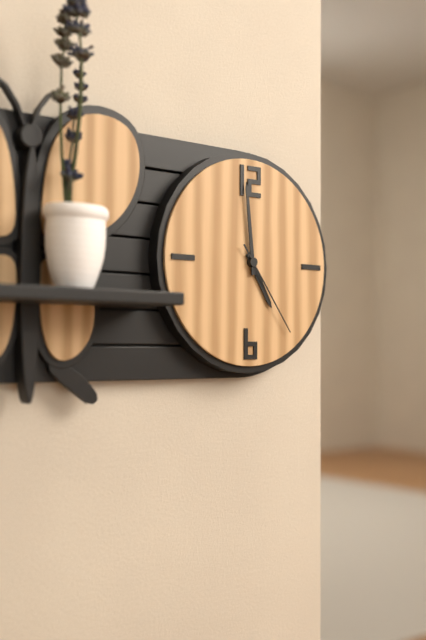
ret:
4.59.24
